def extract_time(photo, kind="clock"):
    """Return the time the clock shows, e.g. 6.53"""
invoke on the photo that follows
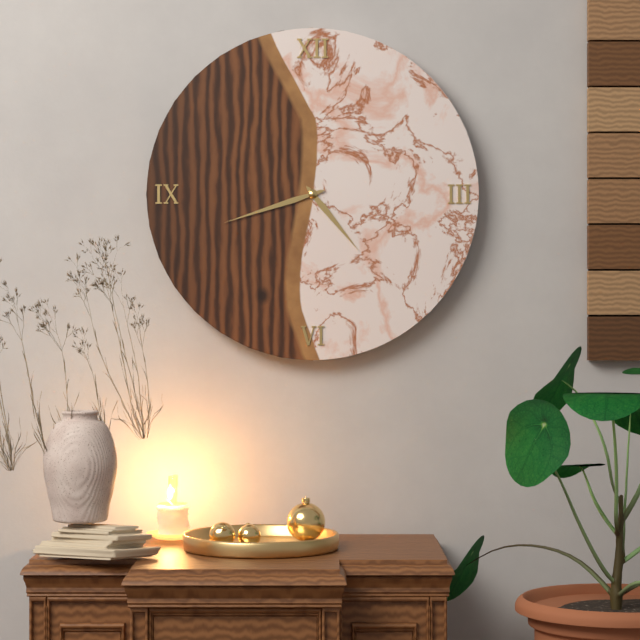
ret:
4.42
